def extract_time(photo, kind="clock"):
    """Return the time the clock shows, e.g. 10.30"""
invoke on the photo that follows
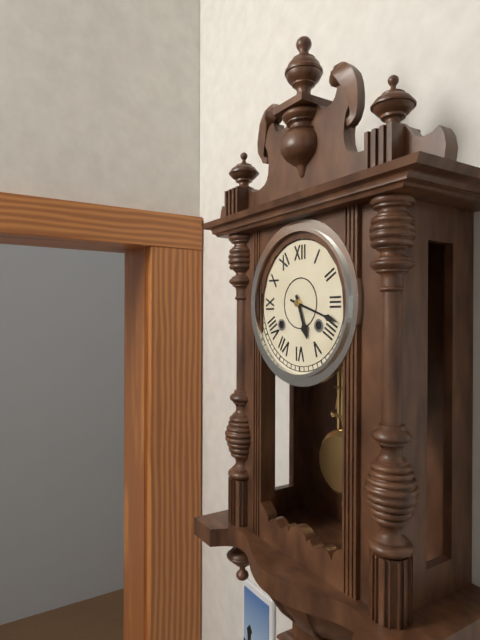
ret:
5.18
